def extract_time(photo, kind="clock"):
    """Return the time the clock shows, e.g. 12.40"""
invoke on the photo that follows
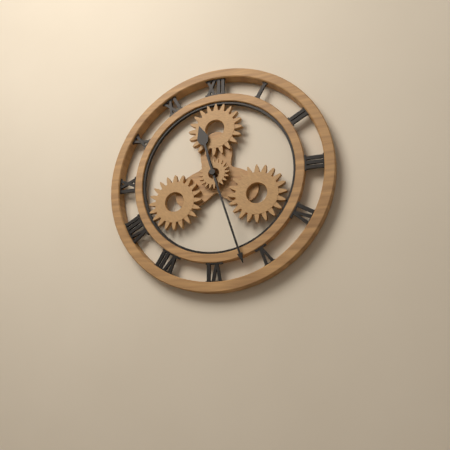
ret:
11.27
